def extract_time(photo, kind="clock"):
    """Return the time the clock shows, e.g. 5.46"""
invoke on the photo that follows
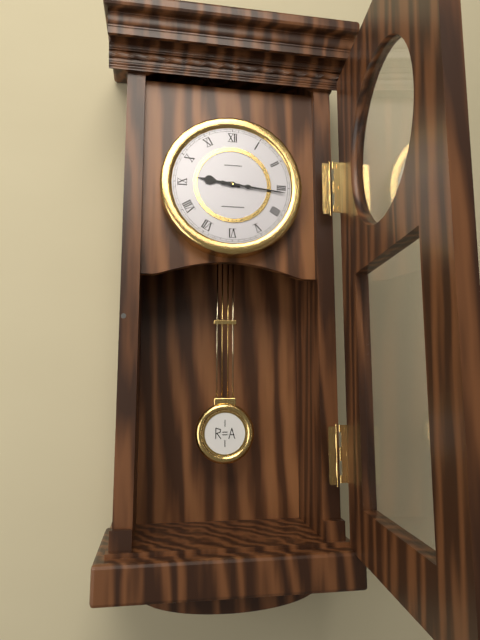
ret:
9.16
